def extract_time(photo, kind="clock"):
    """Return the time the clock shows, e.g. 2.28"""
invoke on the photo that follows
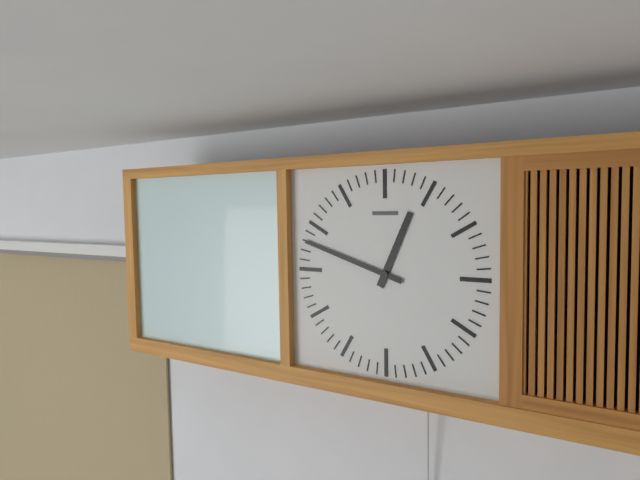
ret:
12.48
